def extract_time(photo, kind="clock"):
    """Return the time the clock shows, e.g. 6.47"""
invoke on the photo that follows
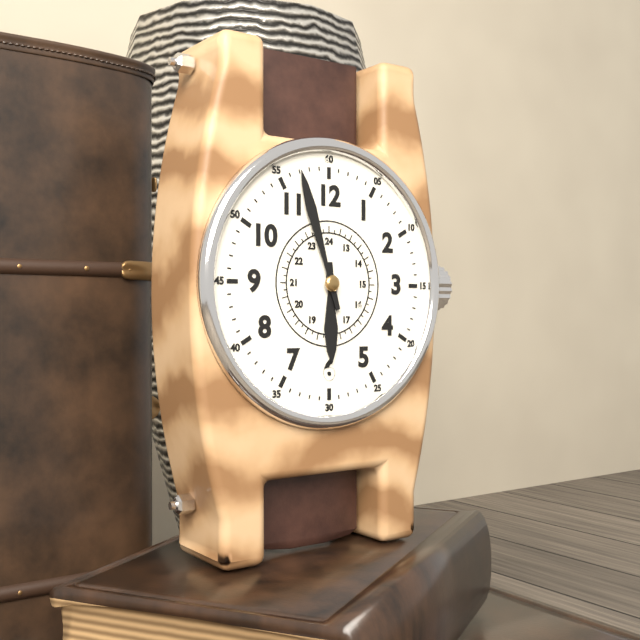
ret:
5.57
